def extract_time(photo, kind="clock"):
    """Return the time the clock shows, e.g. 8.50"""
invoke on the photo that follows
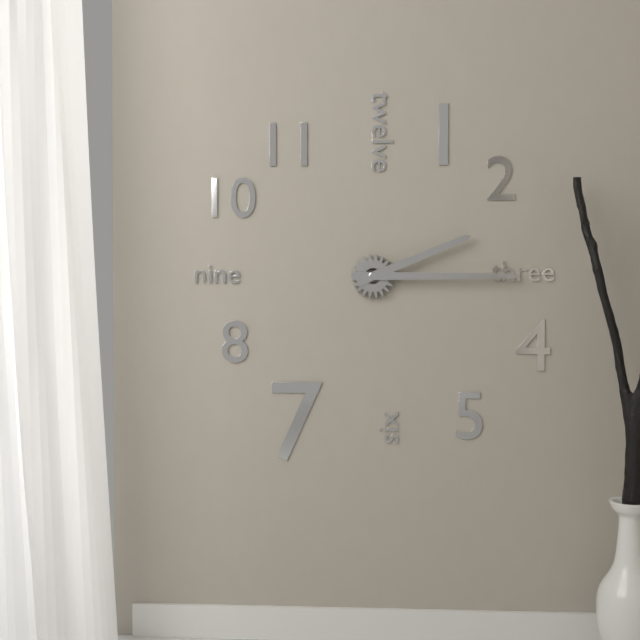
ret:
2.15
